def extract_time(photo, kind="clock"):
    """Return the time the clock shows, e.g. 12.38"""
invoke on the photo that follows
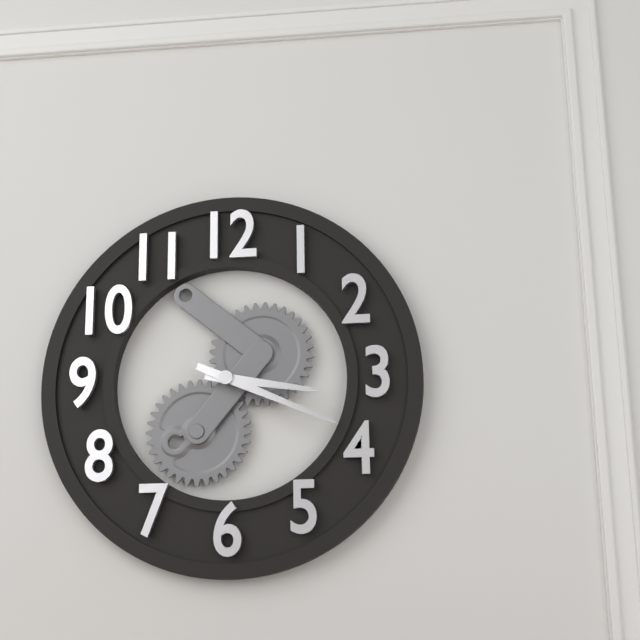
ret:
3.19
